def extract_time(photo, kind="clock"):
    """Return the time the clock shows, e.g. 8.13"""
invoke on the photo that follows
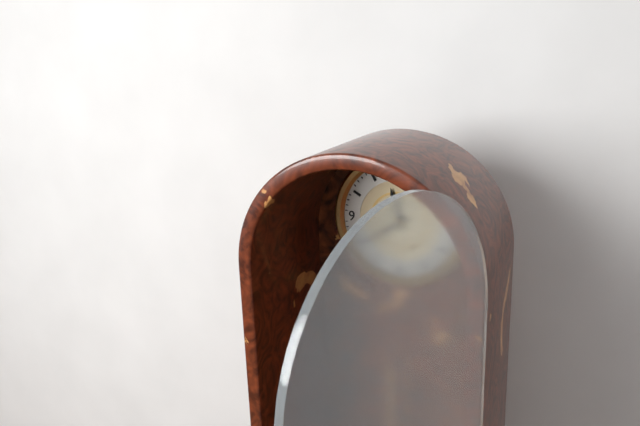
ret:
11.39
